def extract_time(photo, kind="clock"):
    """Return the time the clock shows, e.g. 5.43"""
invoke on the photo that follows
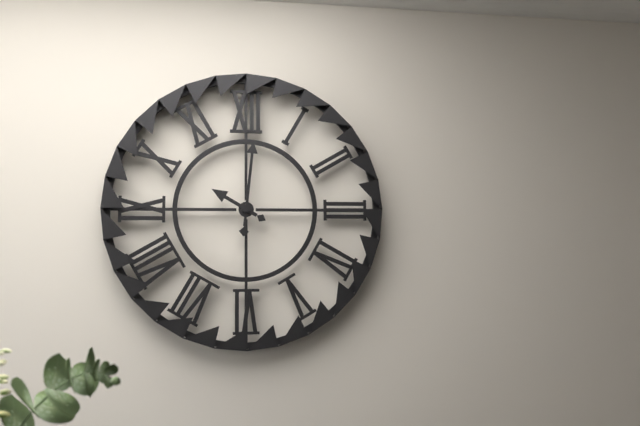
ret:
10.01
